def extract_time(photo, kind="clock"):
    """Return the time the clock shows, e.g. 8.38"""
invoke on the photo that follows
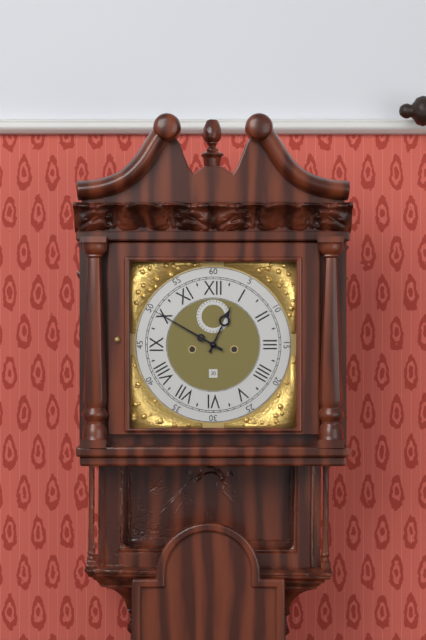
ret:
12.50
